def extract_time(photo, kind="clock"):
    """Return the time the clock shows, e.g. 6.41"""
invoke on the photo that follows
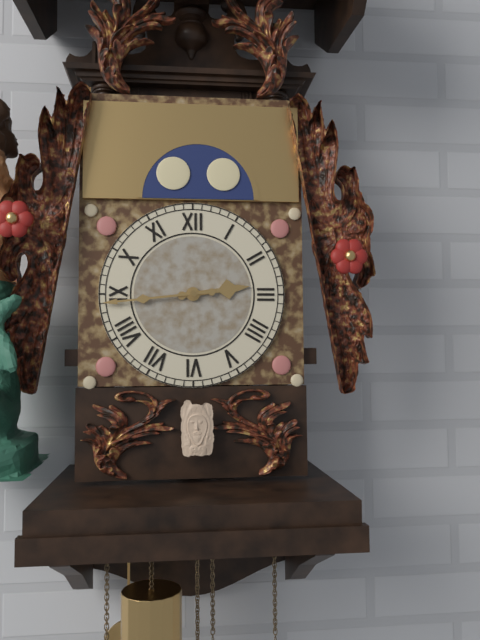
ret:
2.44
